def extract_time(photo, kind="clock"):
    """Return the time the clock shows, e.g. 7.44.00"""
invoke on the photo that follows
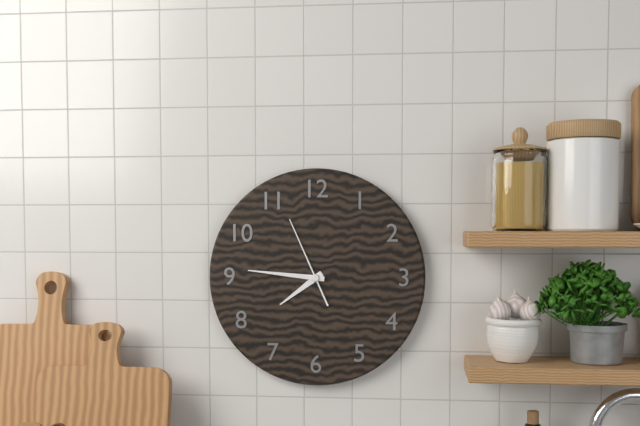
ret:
7.46.56
